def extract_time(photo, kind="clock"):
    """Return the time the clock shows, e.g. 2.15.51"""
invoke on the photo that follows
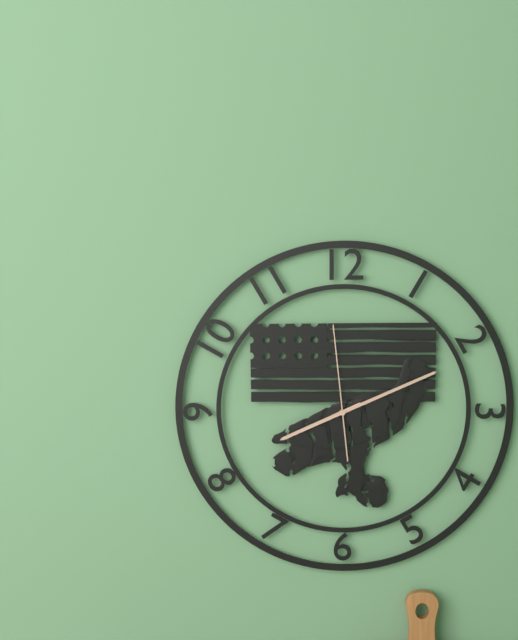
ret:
8.11.59
